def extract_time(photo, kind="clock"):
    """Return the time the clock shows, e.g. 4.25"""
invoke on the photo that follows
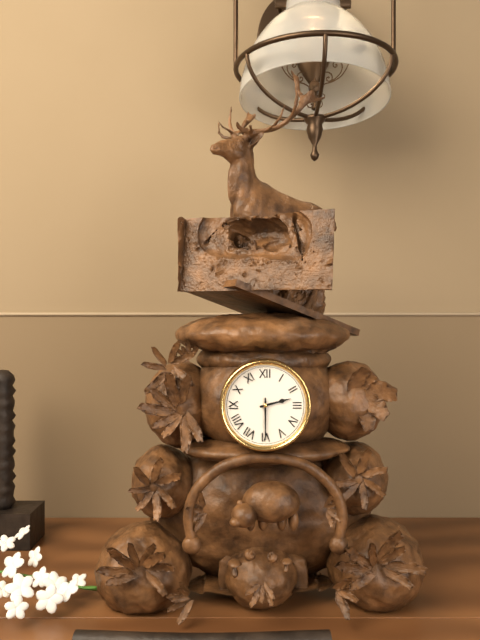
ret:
2.30
